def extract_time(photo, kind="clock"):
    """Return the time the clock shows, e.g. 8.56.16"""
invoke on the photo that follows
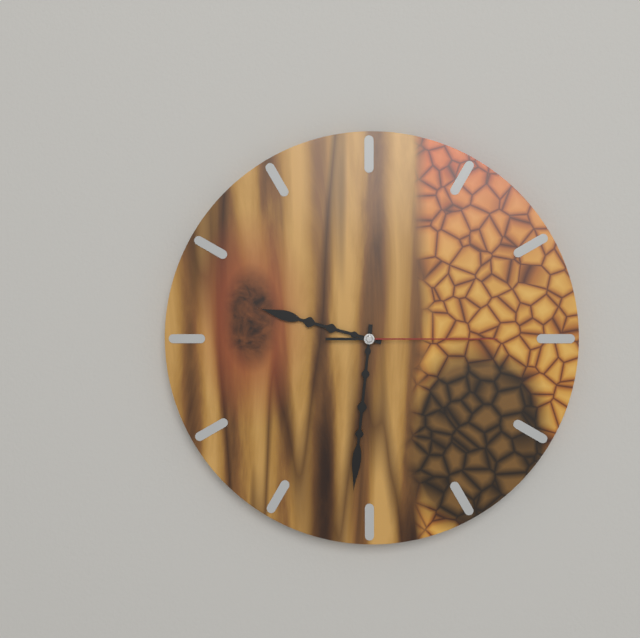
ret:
9.31.15
